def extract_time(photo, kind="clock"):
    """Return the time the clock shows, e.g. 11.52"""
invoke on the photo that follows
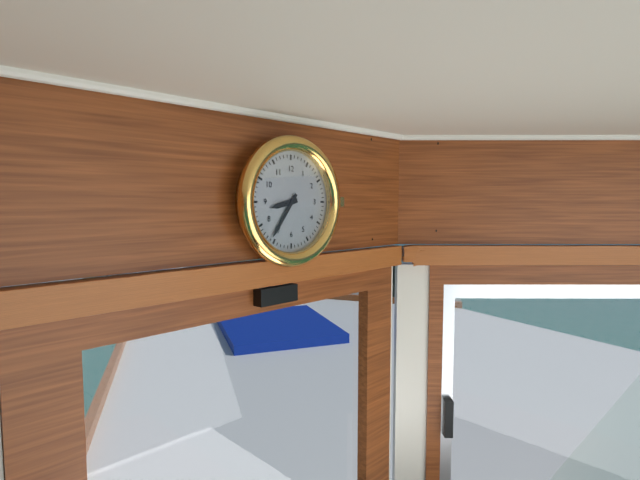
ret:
8.36
